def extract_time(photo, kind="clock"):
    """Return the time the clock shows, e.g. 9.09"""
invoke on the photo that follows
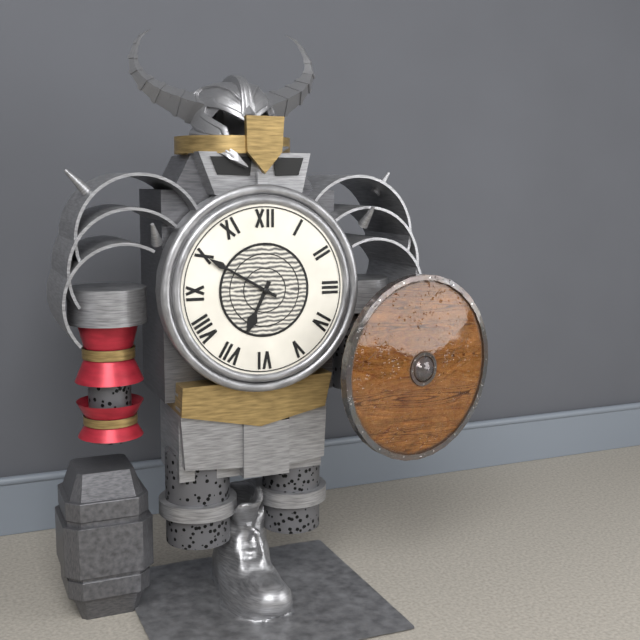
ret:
6.50
